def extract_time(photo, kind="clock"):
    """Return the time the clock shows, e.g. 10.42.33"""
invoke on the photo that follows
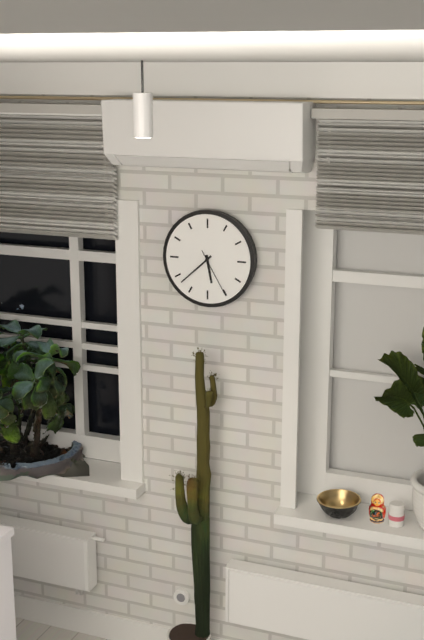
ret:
5.38.25
